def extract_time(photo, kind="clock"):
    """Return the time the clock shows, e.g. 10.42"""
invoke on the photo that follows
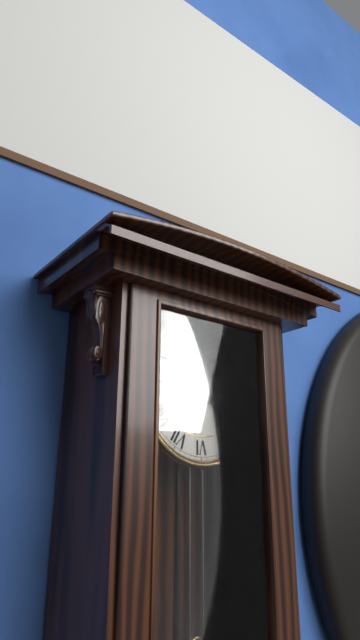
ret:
6.21
